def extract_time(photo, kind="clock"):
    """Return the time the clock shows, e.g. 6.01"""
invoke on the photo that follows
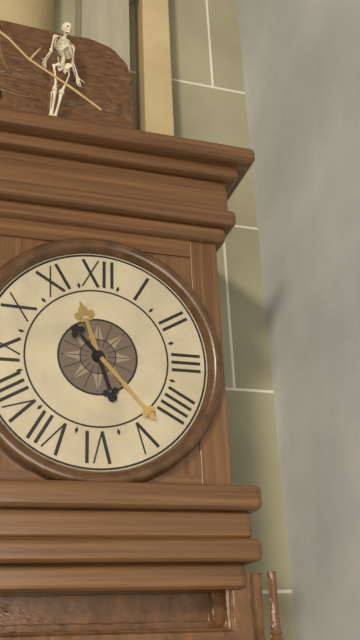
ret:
11.23
